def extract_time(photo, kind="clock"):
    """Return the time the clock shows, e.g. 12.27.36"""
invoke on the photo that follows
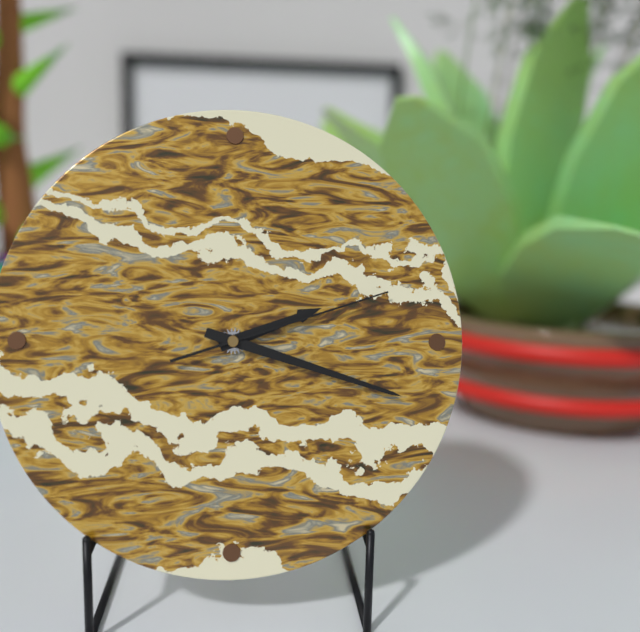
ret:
2.18.12
